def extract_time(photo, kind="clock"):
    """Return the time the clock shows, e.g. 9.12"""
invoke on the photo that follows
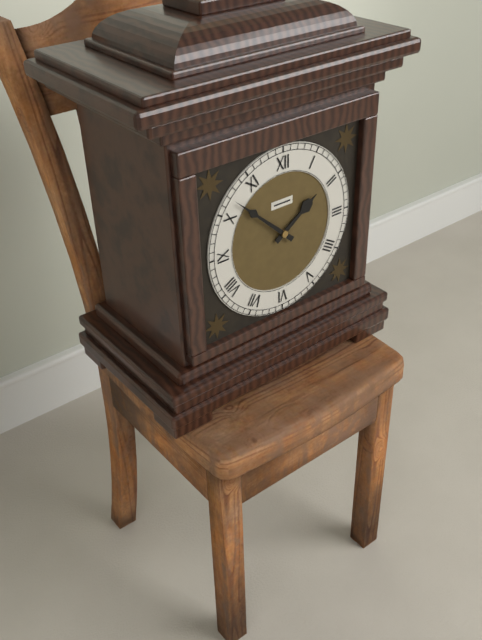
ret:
1.52
